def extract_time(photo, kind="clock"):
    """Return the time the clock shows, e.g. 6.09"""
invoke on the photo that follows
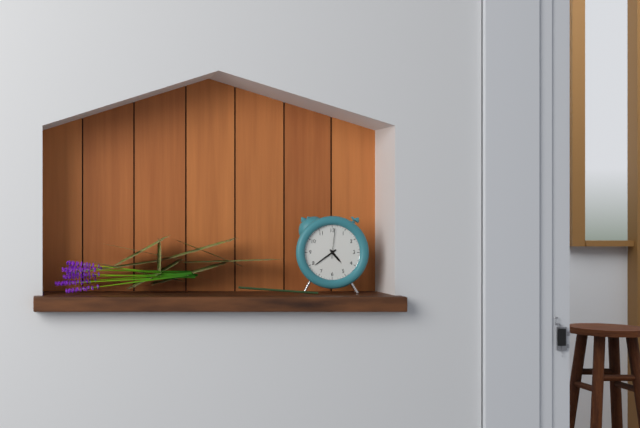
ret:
4.39
